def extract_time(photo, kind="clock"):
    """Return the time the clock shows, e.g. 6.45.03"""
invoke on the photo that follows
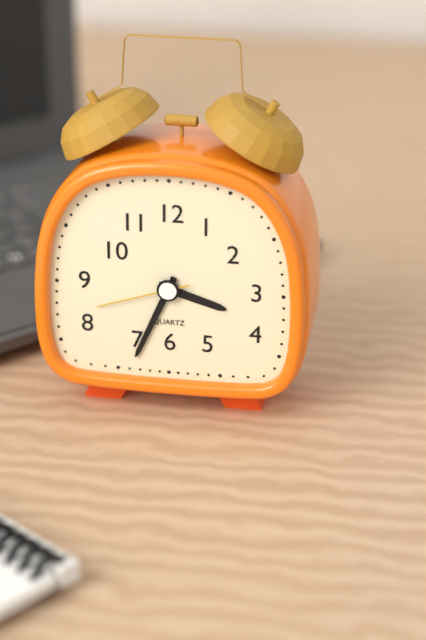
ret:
3.34.42
